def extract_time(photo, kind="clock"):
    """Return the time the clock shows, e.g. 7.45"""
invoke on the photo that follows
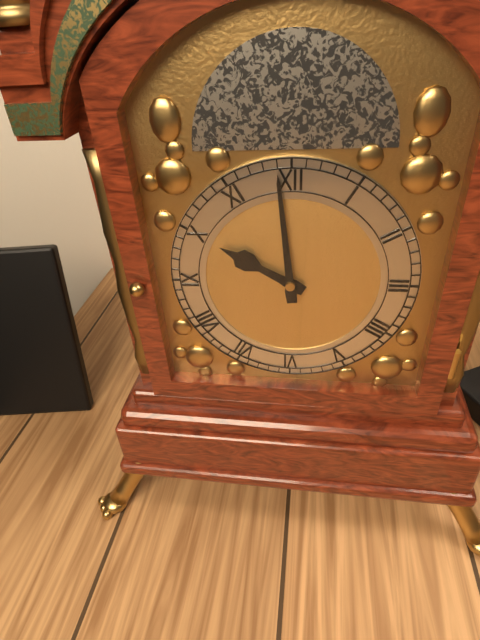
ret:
9.59
